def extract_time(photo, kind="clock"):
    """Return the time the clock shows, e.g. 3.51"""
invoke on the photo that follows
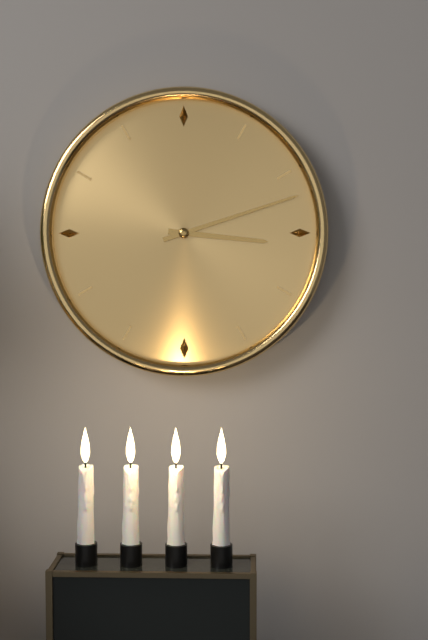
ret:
3.12
